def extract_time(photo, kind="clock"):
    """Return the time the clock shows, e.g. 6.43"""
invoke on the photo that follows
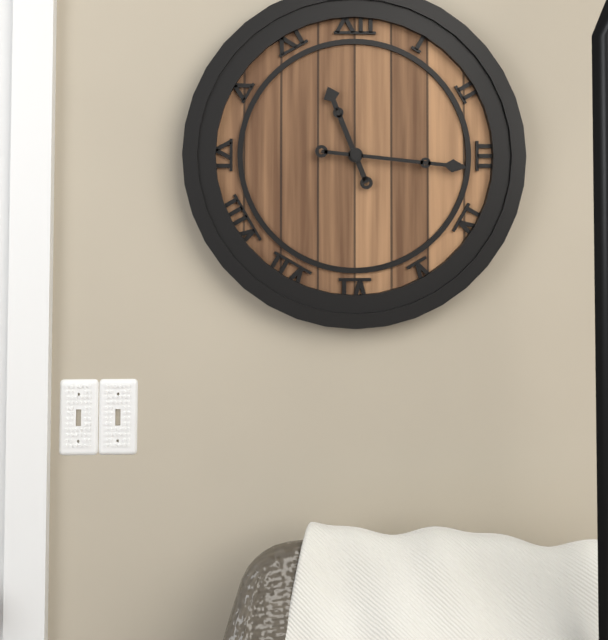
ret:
11.16
